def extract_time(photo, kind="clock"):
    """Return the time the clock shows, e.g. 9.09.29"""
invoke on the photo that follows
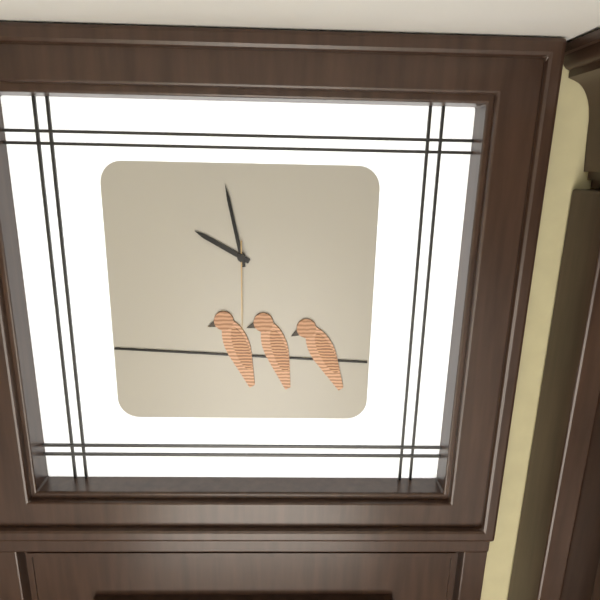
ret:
9.58.30
